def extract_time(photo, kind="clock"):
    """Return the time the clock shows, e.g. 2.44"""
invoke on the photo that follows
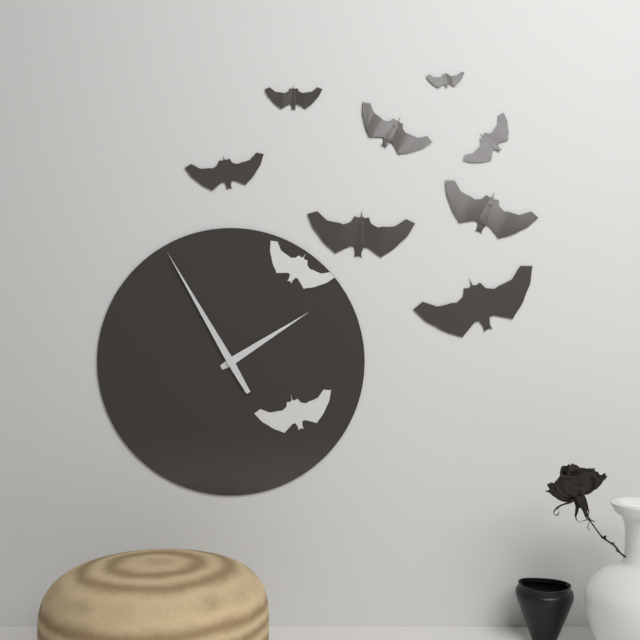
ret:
1.55
